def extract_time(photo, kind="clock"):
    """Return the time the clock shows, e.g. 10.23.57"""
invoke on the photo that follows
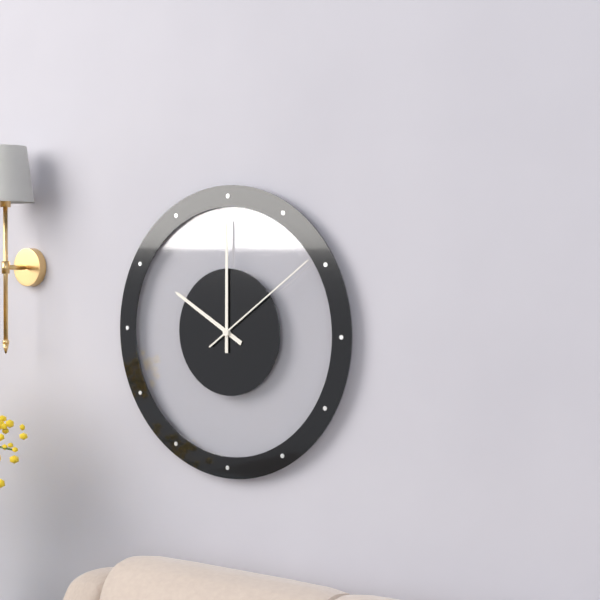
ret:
10.00.09
